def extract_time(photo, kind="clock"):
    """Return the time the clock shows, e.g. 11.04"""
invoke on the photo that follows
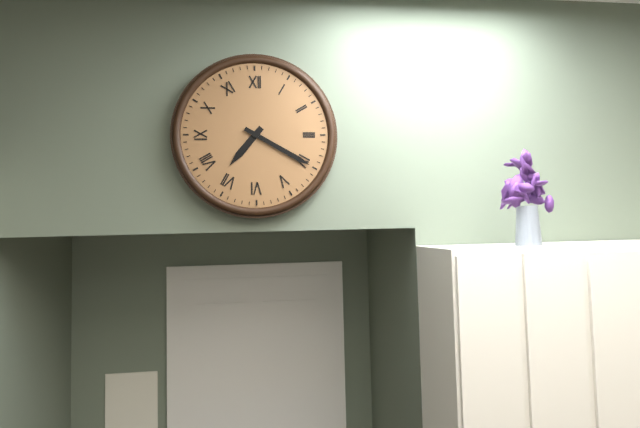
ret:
7.20
